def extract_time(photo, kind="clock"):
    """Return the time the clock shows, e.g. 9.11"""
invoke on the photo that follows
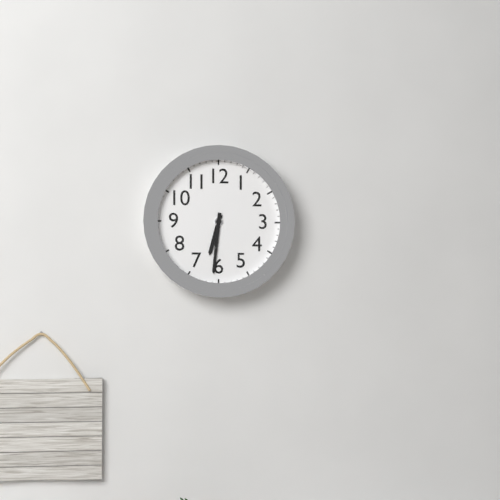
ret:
6.31
